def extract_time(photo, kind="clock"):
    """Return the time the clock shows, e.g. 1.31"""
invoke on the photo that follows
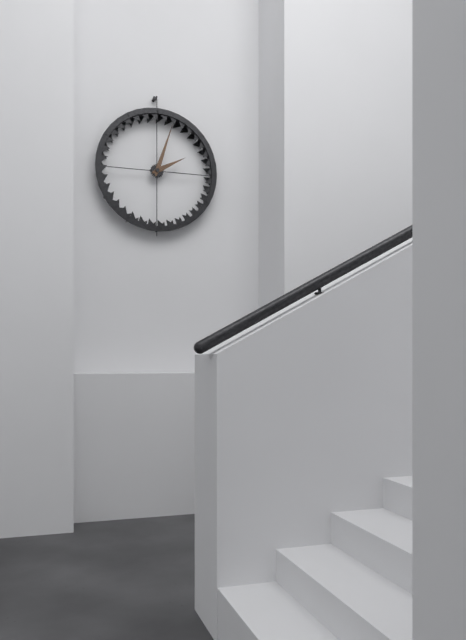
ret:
2.03
